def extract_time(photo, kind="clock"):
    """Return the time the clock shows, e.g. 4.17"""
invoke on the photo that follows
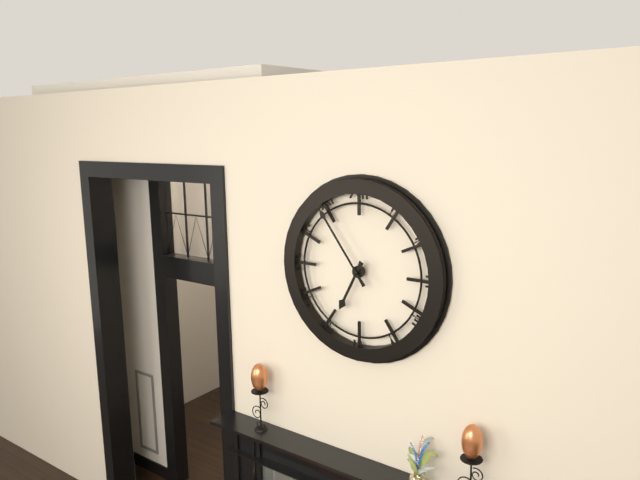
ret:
6.54
